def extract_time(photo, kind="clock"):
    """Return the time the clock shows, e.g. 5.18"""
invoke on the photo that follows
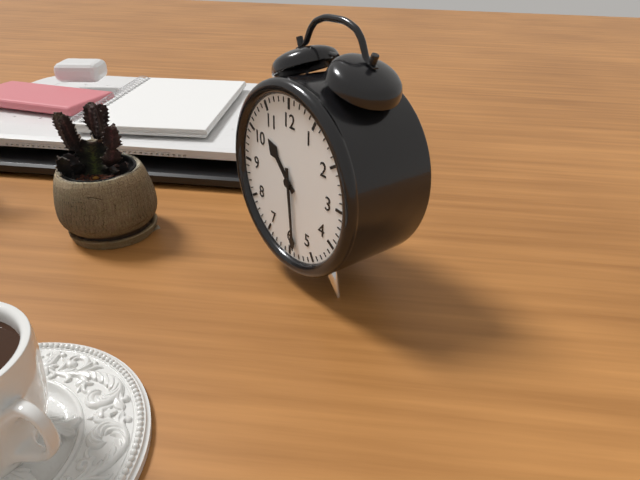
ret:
10.29
